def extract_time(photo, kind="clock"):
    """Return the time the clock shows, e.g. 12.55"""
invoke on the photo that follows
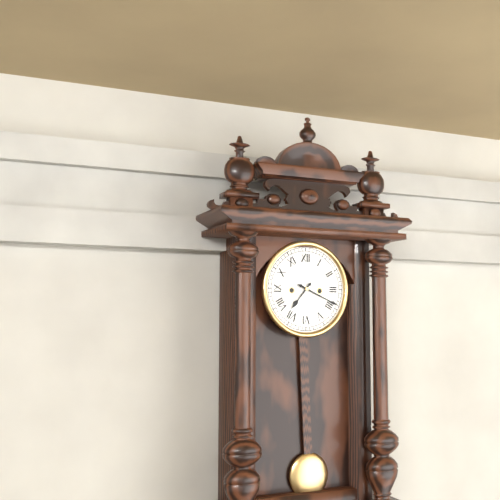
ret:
7.19
